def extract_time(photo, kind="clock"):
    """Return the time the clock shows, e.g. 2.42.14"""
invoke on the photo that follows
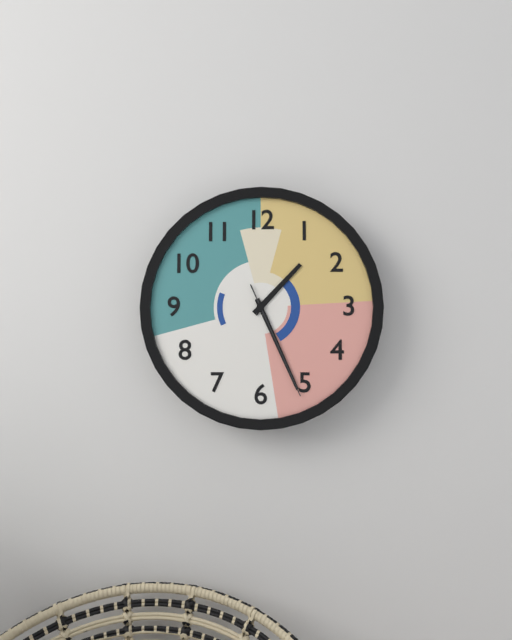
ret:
1.26.26
